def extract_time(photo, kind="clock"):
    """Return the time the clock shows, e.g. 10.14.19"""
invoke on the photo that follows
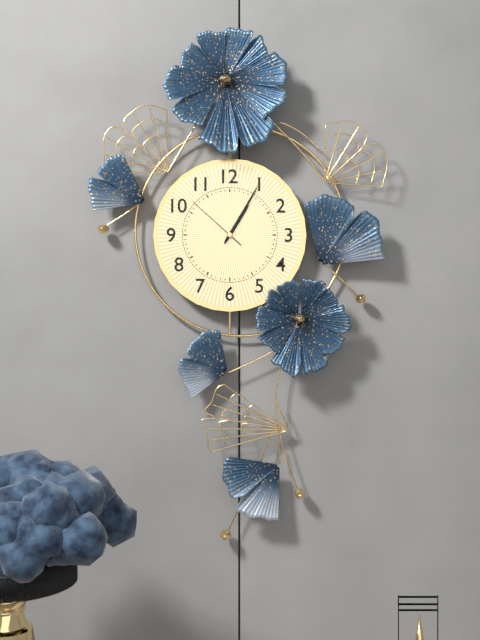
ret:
1.05.52
